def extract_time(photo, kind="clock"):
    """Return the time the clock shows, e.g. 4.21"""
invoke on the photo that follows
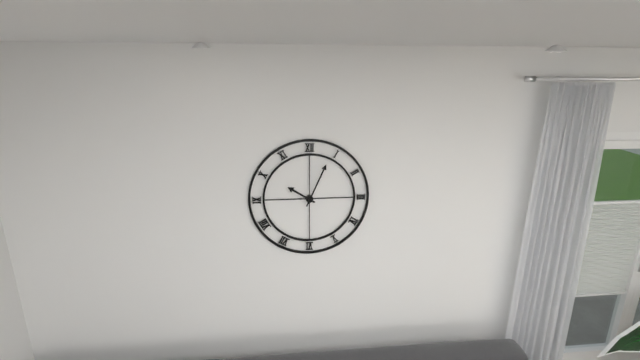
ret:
10.04
